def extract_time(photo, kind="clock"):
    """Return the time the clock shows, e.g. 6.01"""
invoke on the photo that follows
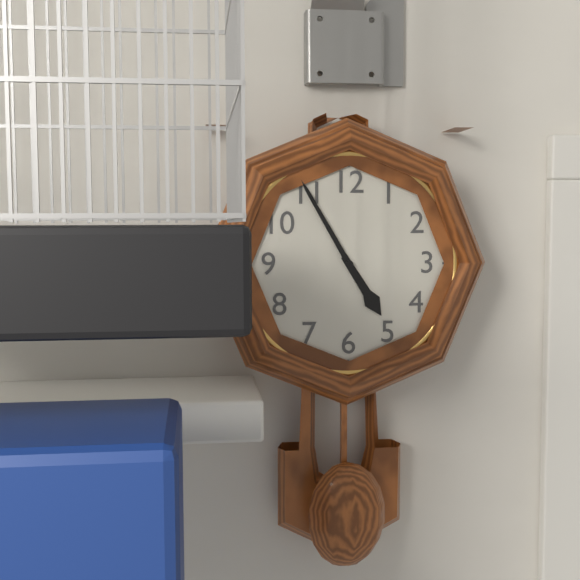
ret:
4.55
